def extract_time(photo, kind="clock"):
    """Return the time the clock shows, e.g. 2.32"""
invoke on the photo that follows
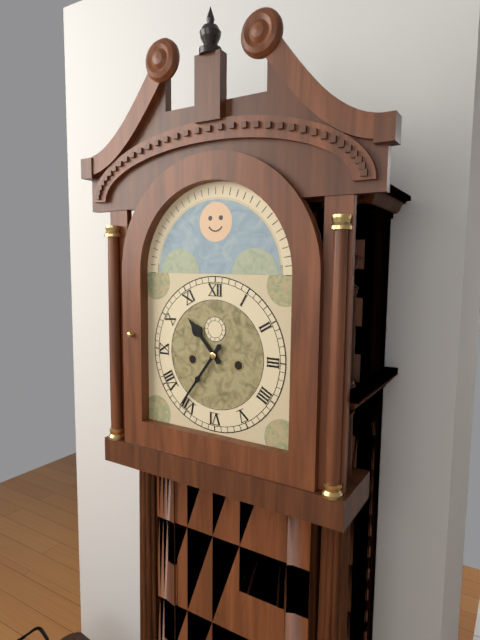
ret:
10.36
